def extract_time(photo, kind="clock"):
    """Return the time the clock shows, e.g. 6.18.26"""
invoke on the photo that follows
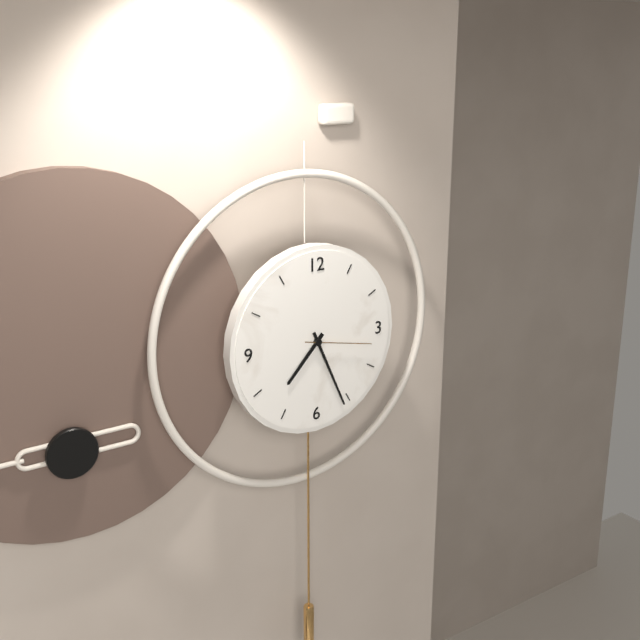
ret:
7.26.17
